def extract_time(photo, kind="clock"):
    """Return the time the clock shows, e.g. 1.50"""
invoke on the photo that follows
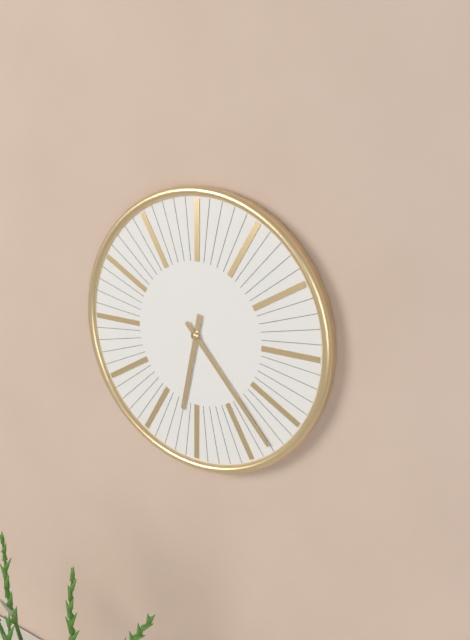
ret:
6.23
